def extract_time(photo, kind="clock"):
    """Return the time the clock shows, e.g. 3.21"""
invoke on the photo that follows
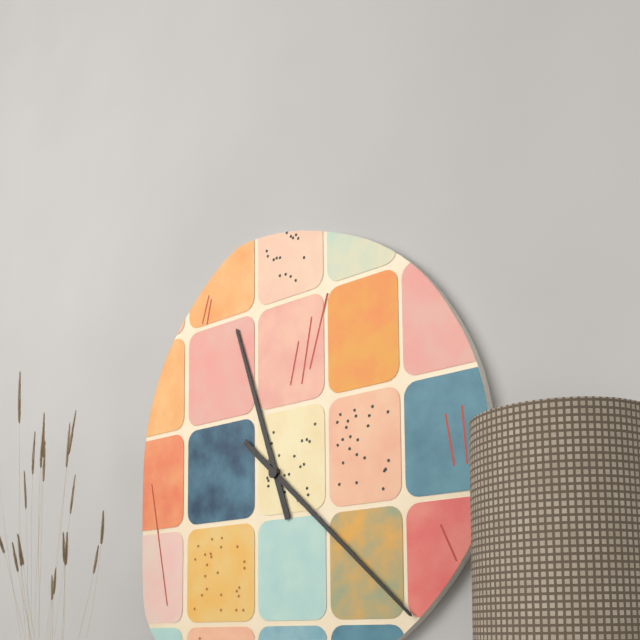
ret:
11.22
